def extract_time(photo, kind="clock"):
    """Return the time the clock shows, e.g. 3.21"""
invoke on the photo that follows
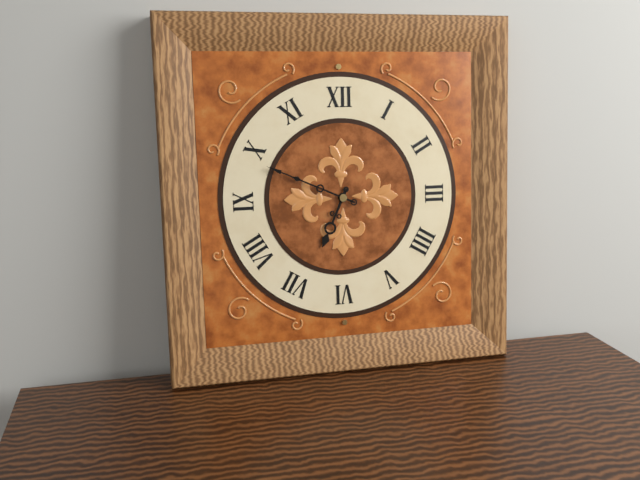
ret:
6.49
